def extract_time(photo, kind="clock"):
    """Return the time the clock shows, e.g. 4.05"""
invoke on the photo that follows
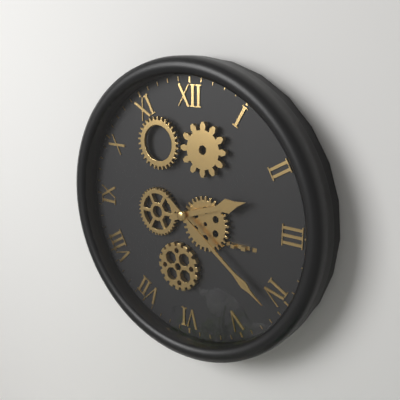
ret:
2.21
